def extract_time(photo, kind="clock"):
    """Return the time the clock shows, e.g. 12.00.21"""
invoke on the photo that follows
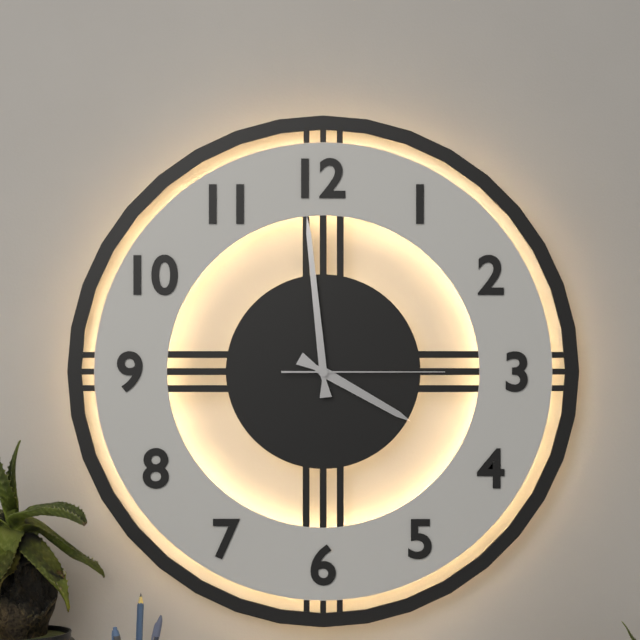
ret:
3.59.15
